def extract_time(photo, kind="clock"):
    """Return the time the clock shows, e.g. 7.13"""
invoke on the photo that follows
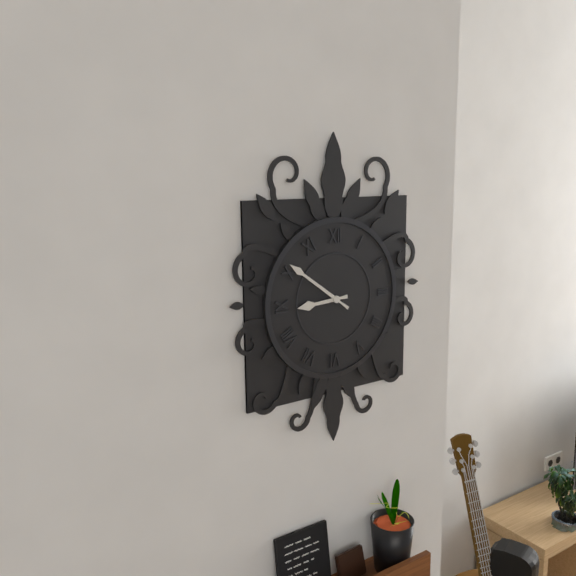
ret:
8.51
